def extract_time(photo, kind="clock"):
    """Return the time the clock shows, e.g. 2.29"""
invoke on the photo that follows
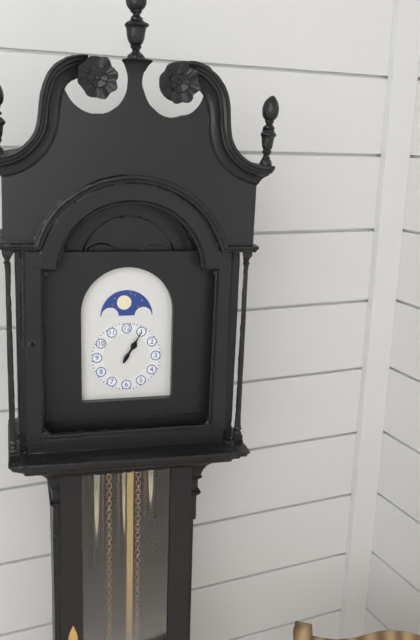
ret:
1.05
